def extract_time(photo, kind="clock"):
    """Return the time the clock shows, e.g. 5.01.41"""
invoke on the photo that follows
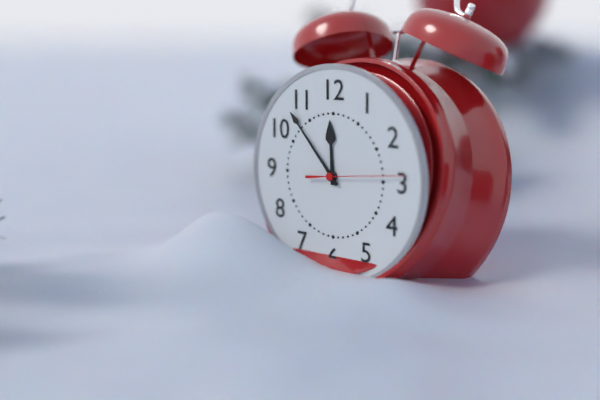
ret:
11.53.14
